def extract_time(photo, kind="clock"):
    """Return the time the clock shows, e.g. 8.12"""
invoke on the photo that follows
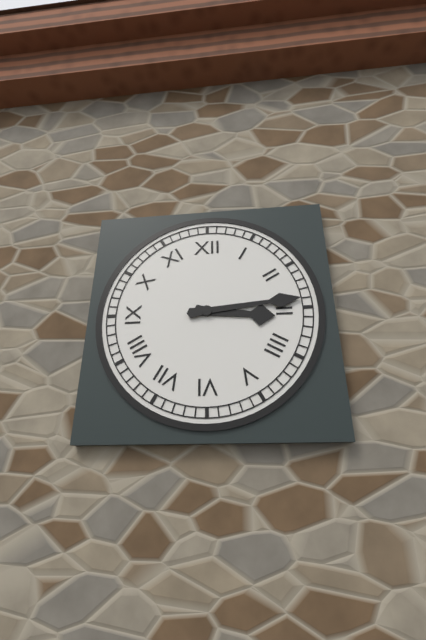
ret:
3.14
